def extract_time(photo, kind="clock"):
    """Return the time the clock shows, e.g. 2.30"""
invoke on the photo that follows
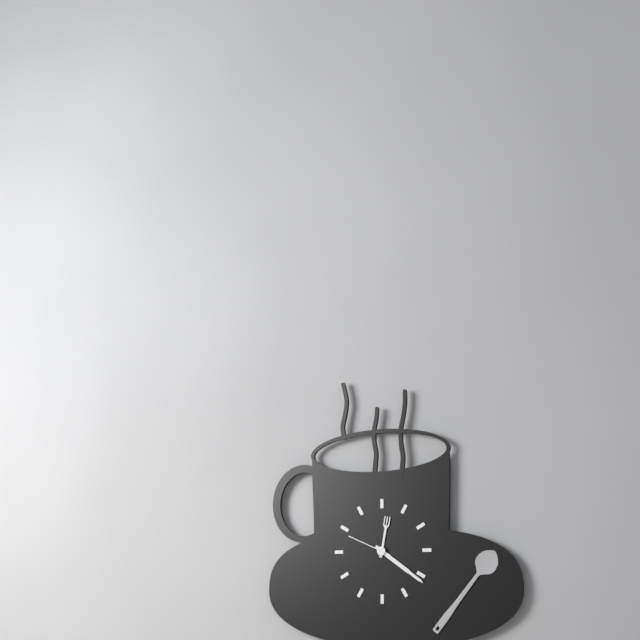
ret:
12.21
